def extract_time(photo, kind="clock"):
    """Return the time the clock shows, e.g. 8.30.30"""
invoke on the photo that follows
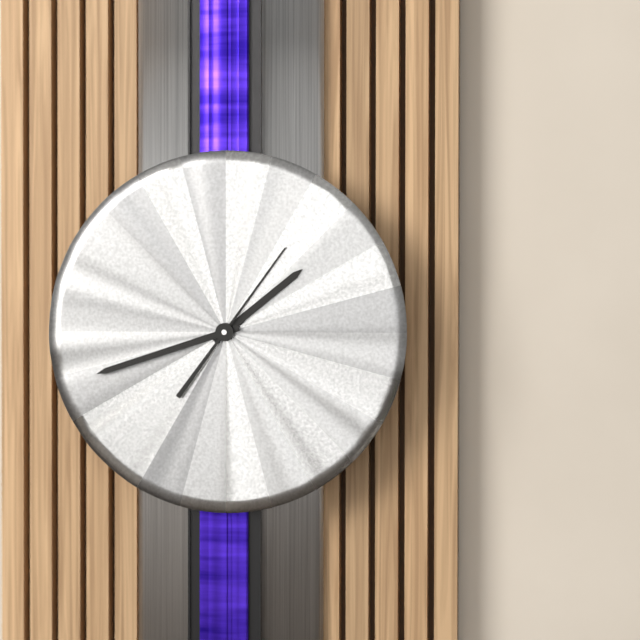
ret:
1.42.06
